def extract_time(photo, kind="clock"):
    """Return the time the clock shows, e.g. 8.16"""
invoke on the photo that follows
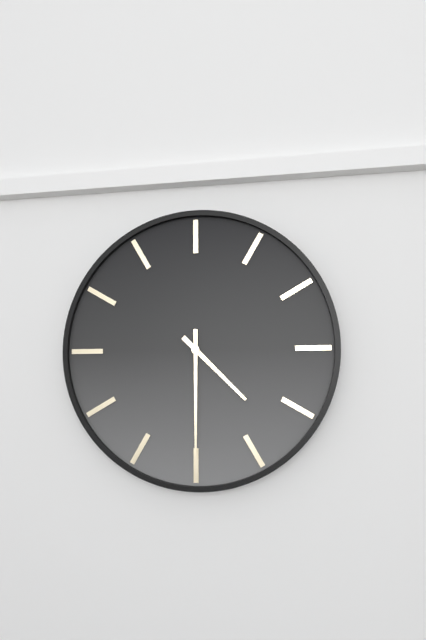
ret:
4.30
